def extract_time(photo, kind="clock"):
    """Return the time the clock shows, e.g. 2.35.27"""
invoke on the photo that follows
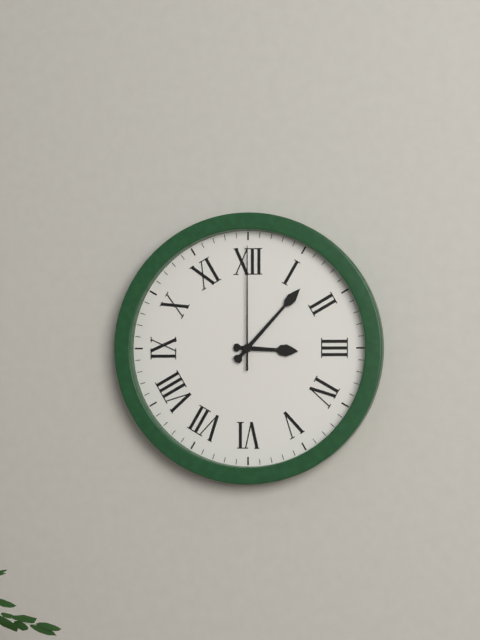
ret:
3.07.00
